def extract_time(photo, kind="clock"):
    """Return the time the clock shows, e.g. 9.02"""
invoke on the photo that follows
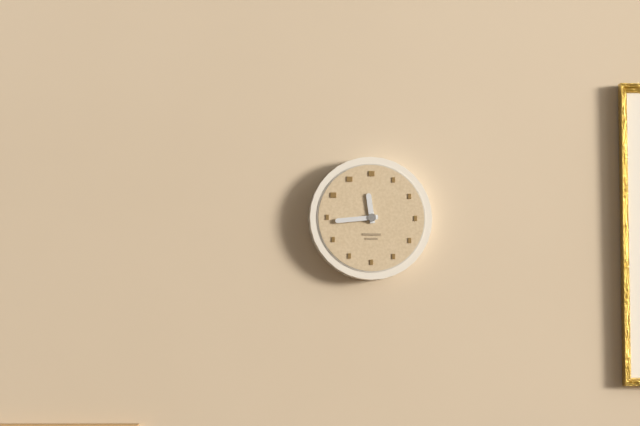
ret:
11.44
